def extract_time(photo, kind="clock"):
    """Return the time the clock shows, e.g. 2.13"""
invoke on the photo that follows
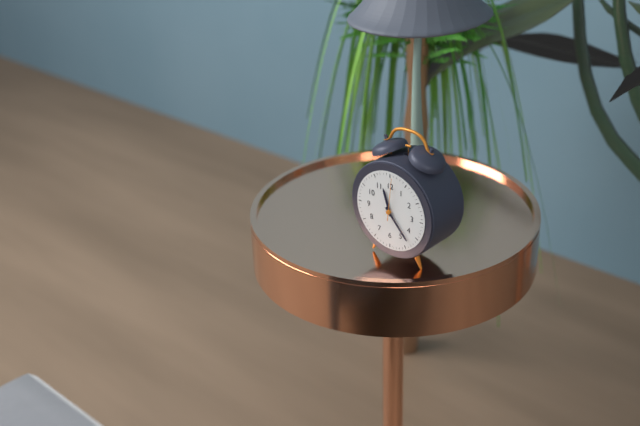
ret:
11.23
